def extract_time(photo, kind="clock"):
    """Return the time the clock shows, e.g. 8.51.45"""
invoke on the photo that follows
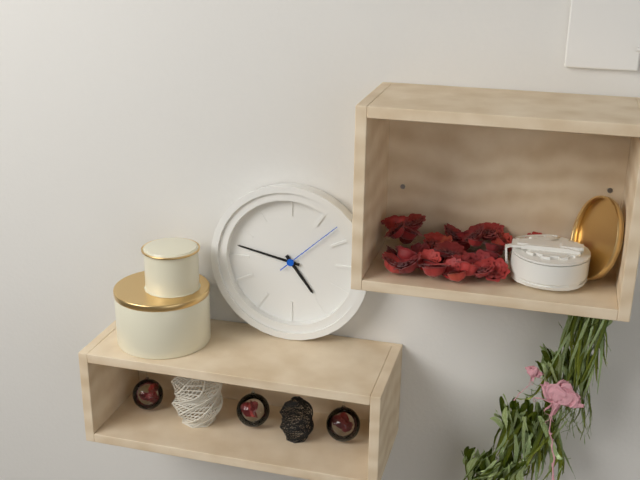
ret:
4.47.08
